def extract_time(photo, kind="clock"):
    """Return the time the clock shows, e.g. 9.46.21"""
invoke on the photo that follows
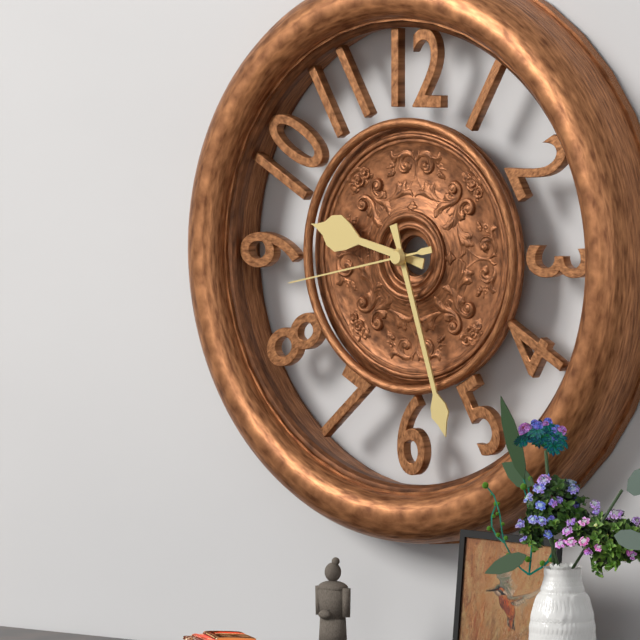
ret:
9.27.43
